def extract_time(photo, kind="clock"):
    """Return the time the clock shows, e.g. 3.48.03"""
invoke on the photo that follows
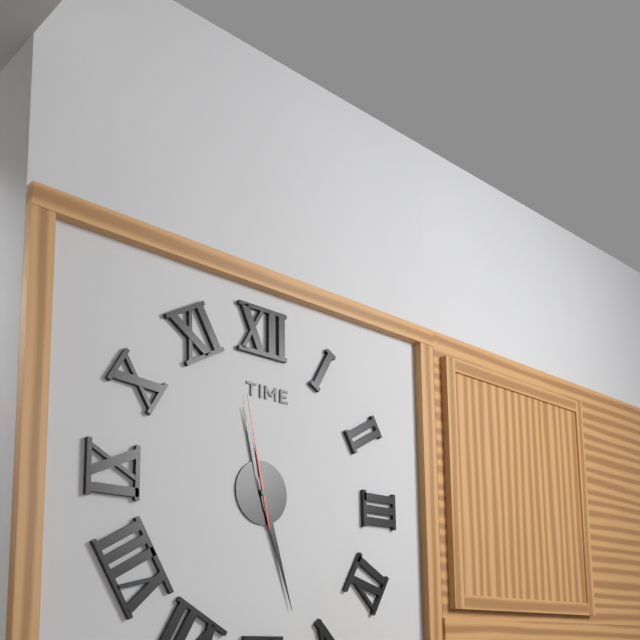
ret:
11.27.58
